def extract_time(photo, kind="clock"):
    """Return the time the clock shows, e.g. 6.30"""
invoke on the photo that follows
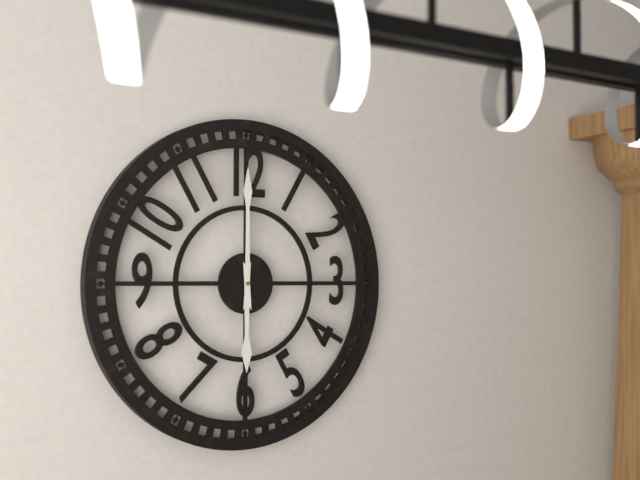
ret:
6.00
